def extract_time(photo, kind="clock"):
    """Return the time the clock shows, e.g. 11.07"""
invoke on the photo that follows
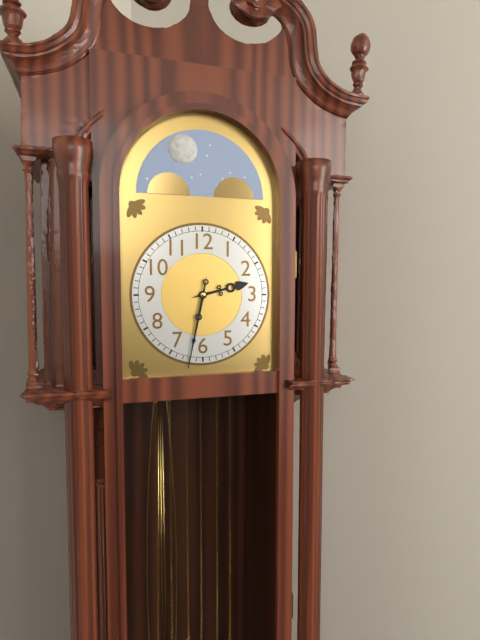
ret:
2.32
